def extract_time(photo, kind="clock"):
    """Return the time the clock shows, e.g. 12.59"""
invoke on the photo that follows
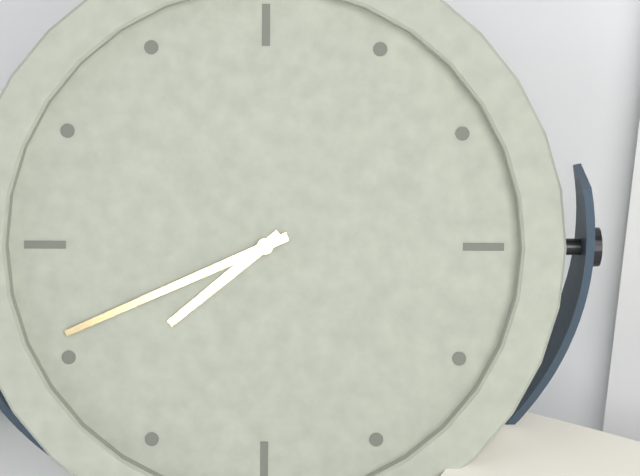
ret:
7.41
